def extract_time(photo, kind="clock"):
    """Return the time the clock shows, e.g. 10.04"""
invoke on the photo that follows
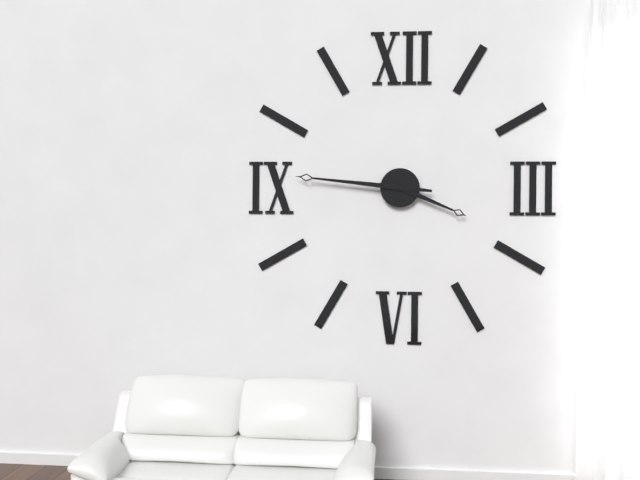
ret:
3.46
